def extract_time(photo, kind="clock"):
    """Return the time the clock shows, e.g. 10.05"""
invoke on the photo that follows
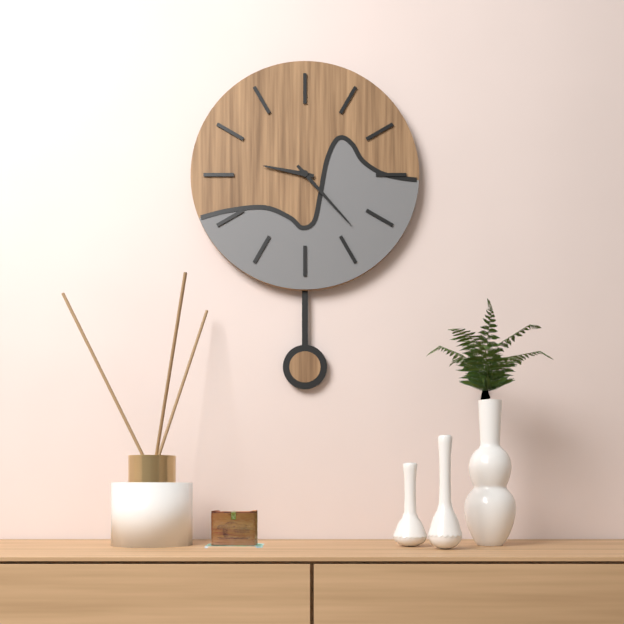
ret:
9.23
